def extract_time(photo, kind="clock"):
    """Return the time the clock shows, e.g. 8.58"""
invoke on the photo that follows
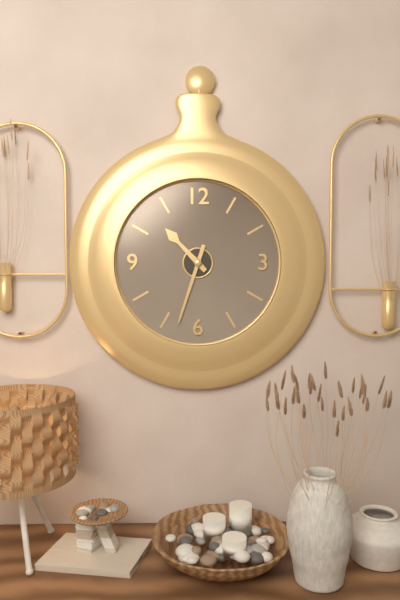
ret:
10.33
